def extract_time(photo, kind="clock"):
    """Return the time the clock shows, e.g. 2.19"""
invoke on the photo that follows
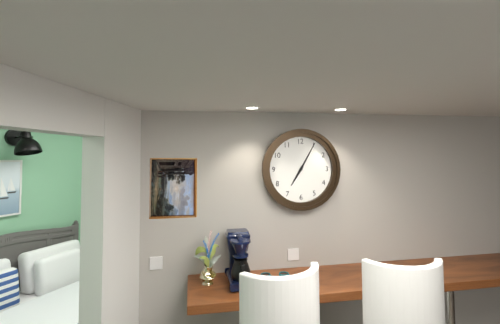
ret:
7.05
